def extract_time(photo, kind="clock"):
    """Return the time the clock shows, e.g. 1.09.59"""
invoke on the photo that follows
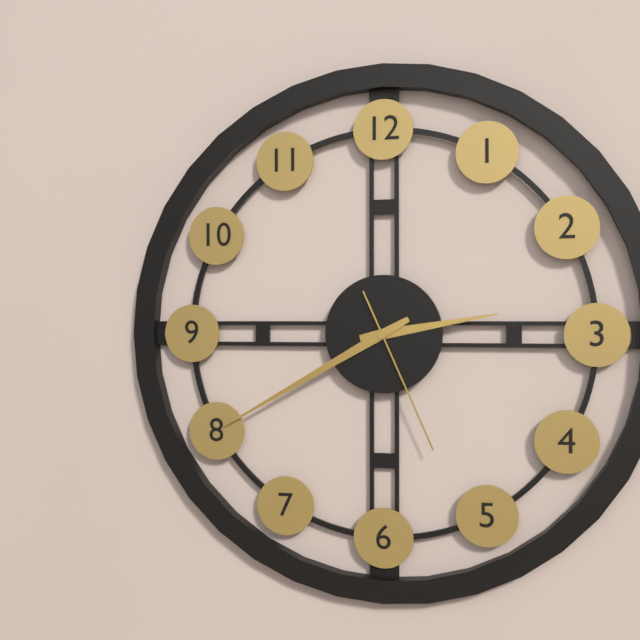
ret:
2.40.26
